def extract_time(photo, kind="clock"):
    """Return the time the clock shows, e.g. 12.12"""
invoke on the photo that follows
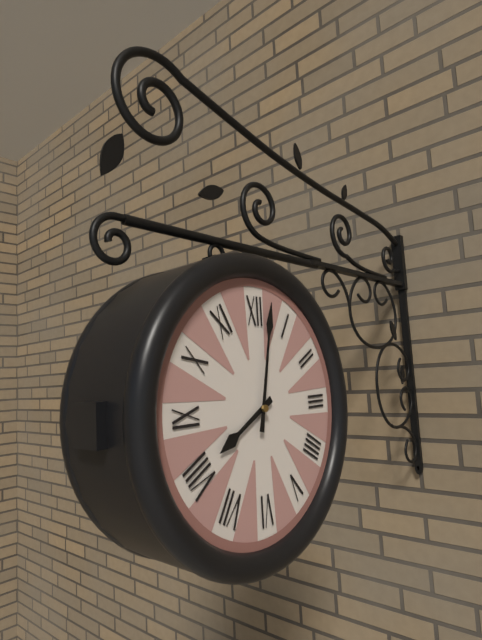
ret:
8.02
